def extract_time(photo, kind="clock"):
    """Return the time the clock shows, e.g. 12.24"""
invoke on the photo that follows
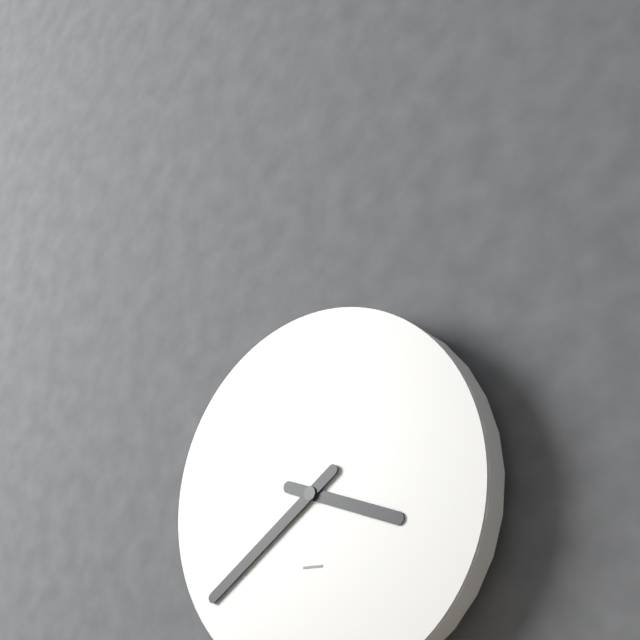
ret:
3.39
